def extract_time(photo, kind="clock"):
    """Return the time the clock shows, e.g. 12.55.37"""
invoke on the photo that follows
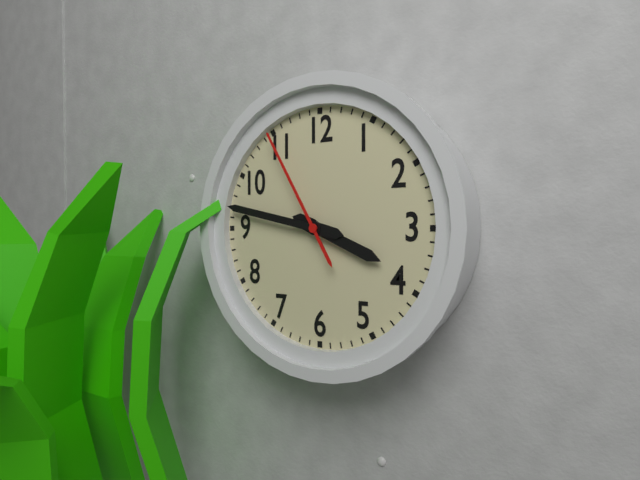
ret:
3.47.55
